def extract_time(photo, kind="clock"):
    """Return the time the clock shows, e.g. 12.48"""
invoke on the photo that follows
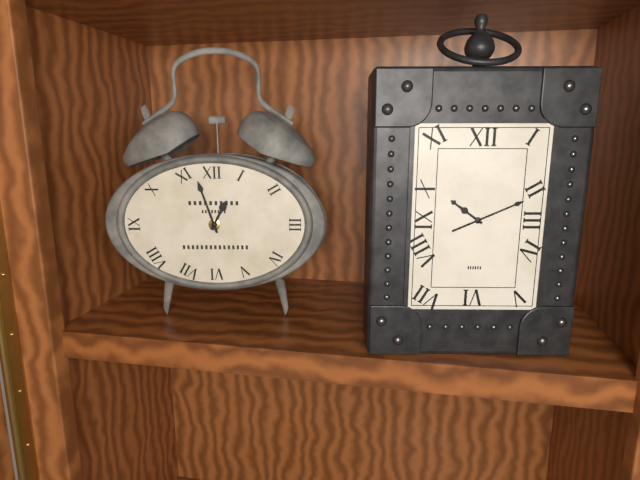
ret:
12.57
